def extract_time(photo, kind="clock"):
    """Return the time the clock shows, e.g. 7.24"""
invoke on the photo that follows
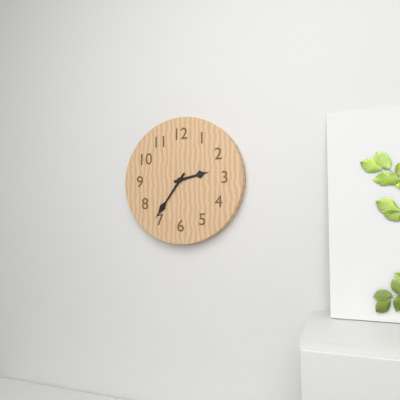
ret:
2.36
